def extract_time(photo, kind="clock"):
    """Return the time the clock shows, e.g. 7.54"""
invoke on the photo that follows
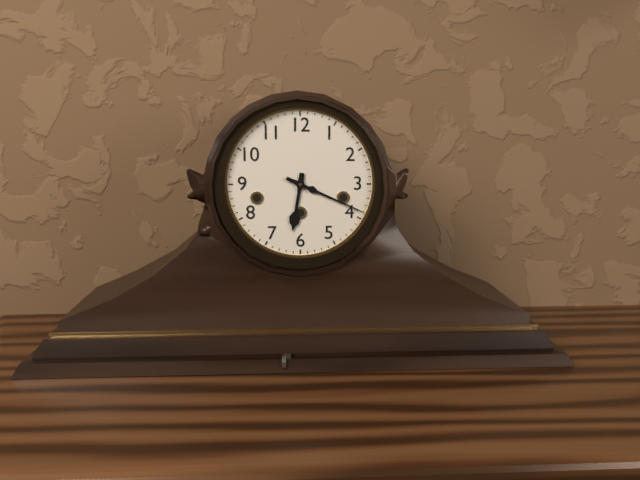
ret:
6.19
